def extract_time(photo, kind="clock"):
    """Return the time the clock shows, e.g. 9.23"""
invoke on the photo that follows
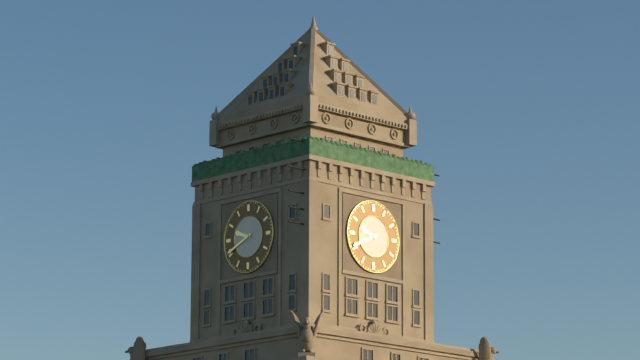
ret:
9.41
